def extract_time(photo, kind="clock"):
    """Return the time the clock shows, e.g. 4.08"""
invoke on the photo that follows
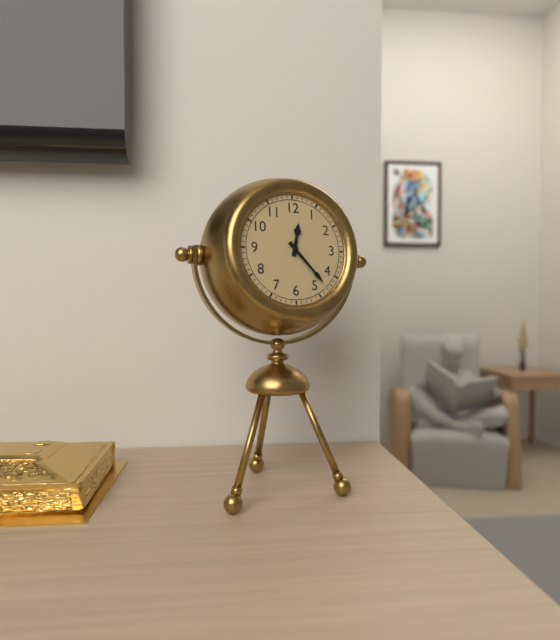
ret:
12.23
